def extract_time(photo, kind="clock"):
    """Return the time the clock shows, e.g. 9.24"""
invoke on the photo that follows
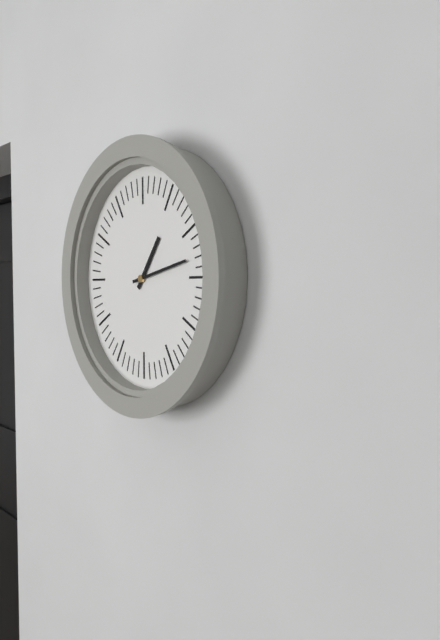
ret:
1.13
